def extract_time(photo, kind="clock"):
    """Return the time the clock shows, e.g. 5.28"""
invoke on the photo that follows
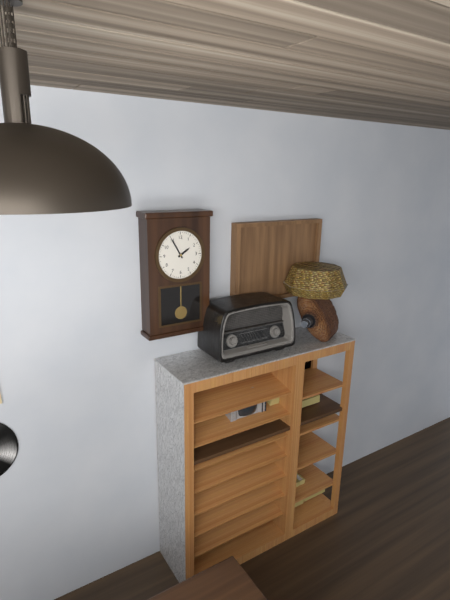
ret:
1.55
